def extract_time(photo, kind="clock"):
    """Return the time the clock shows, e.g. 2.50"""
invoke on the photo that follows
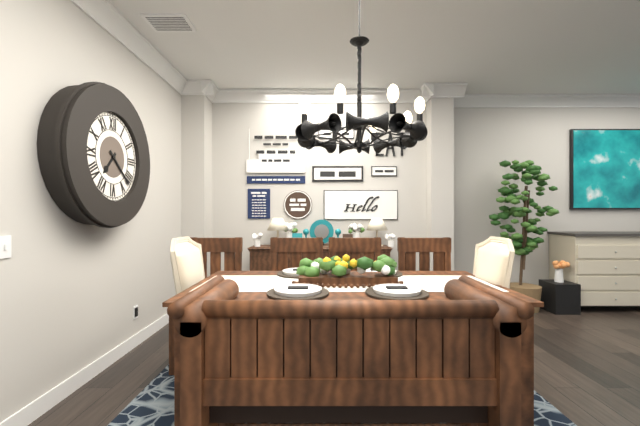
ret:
7.22
